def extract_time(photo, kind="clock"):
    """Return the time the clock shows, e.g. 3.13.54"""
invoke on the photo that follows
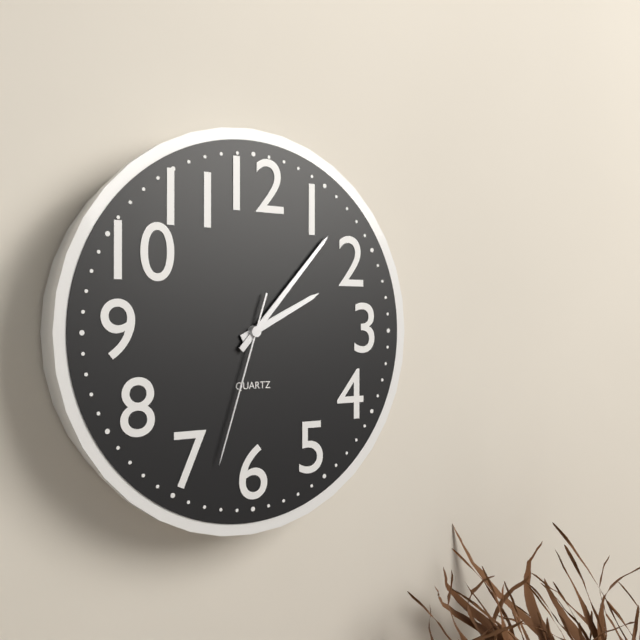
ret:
2.07.33
